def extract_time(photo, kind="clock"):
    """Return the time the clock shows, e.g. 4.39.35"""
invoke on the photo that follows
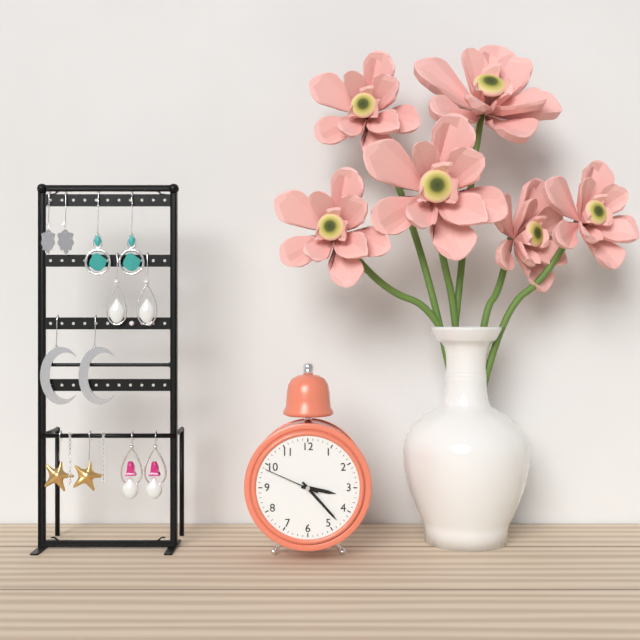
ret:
3.23.49
